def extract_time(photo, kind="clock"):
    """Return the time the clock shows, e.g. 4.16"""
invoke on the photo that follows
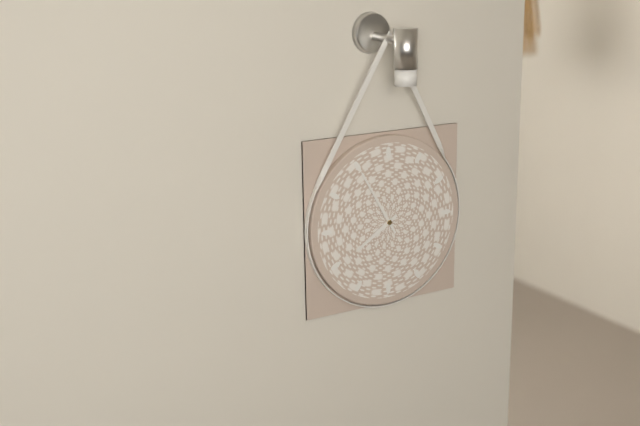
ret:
7.55
